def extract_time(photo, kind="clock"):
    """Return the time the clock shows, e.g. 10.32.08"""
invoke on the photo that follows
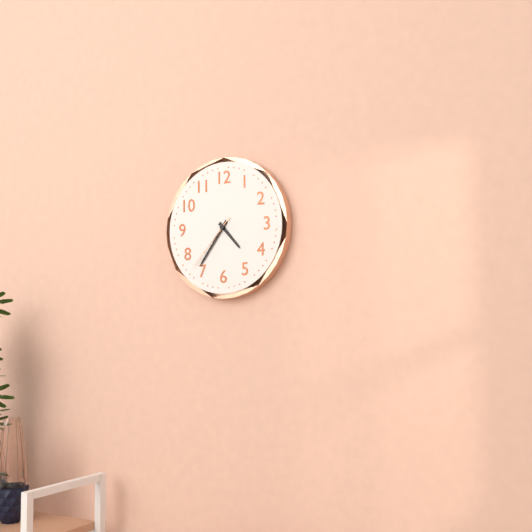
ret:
4.36.37
